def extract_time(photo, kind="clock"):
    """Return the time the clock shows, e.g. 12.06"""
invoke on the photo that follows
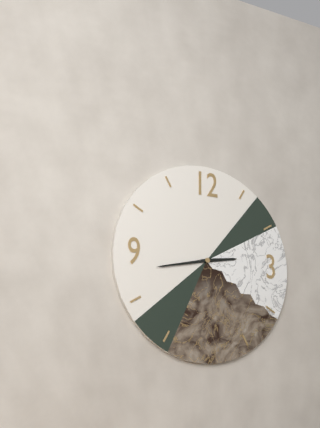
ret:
2.43
